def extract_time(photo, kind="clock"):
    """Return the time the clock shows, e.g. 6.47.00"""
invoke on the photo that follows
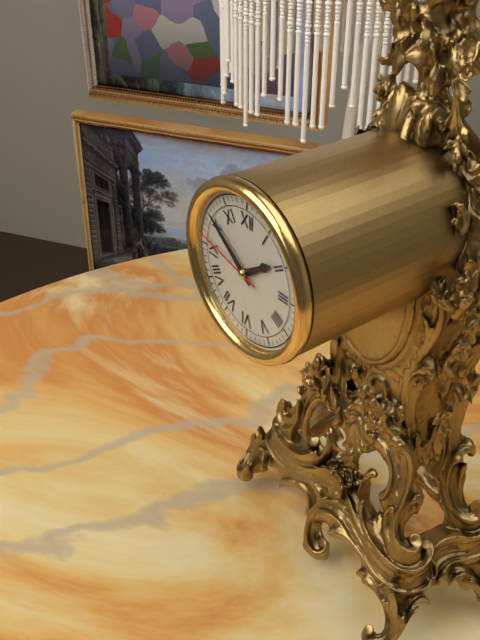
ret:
1.51.47
